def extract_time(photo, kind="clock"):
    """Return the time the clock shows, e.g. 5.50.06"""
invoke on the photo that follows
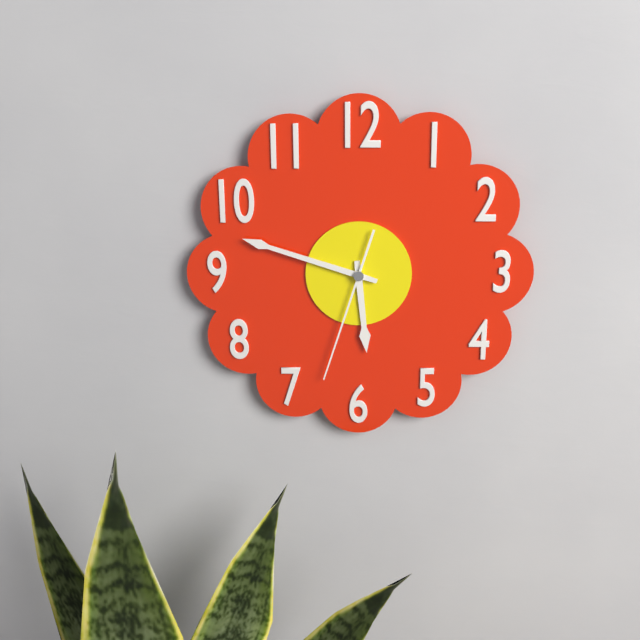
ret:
5.48.33
